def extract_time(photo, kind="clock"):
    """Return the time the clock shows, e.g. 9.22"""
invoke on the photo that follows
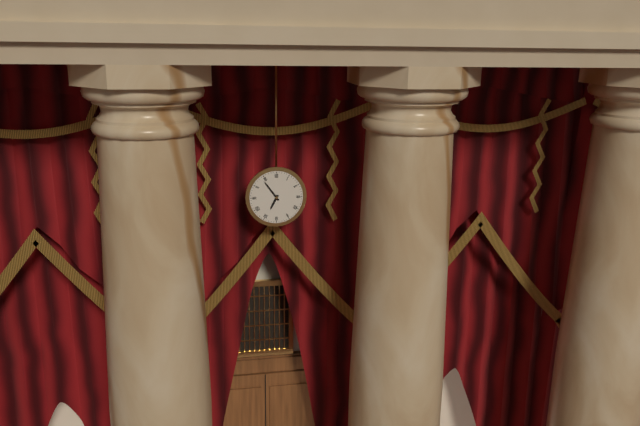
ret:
6.54
